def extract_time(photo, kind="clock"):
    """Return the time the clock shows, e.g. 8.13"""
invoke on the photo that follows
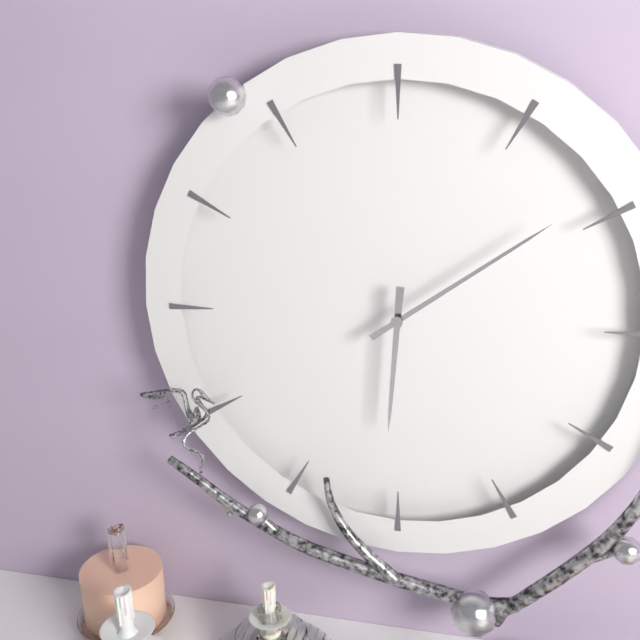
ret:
6.09
